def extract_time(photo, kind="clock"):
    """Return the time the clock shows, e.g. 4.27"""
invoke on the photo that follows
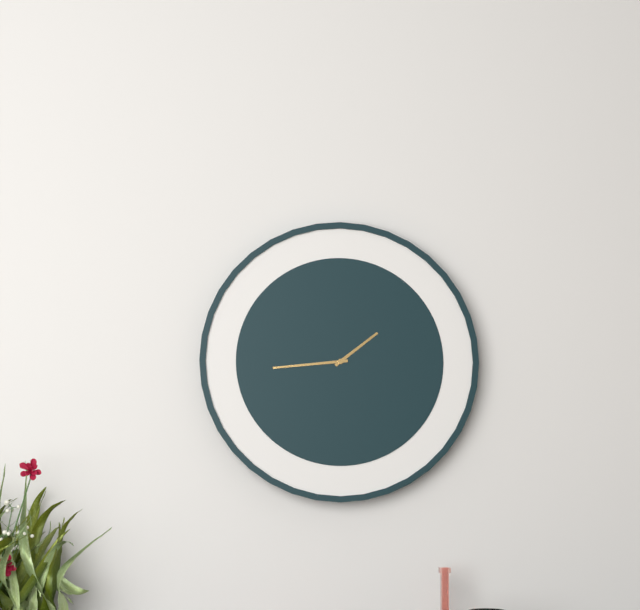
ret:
1.44
